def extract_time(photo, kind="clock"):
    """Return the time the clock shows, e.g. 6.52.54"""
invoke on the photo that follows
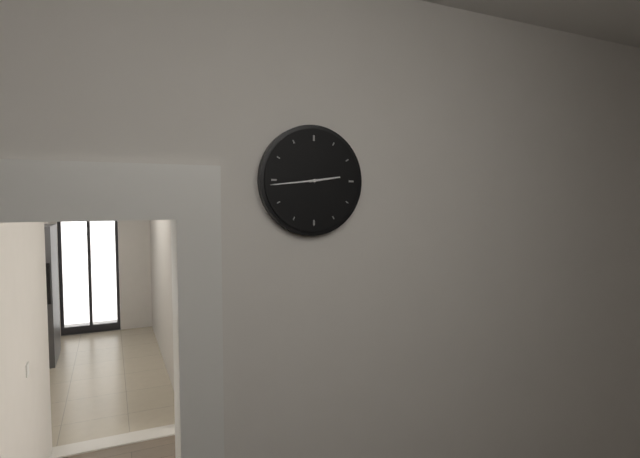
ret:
2.44.44
